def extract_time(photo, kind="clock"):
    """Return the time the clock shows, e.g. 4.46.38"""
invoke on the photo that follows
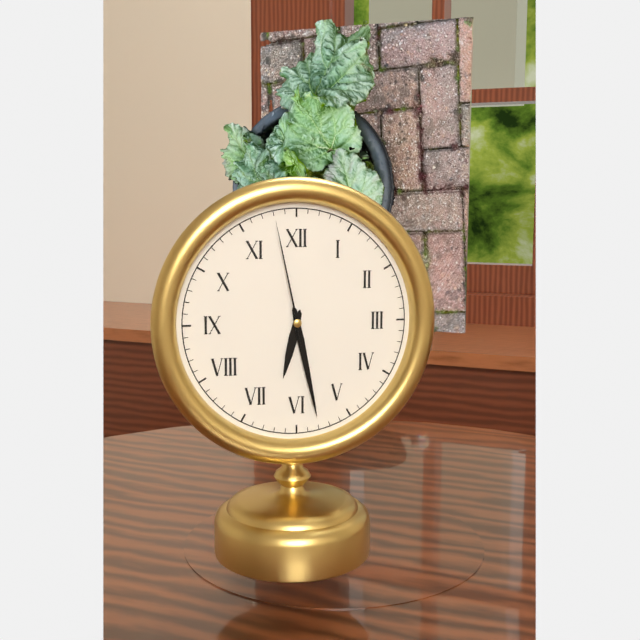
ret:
6.28.58
